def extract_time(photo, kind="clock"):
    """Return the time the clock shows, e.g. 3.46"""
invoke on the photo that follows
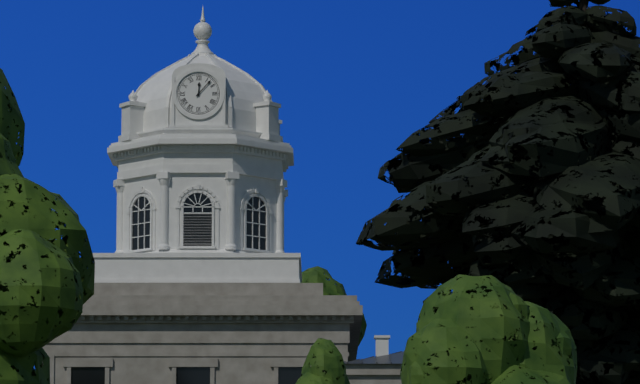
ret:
12.07
